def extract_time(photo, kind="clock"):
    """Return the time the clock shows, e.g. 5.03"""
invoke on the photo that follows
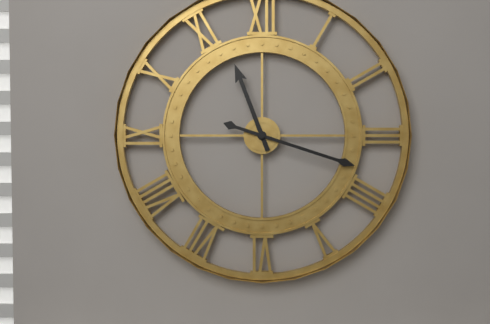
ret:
11.18
